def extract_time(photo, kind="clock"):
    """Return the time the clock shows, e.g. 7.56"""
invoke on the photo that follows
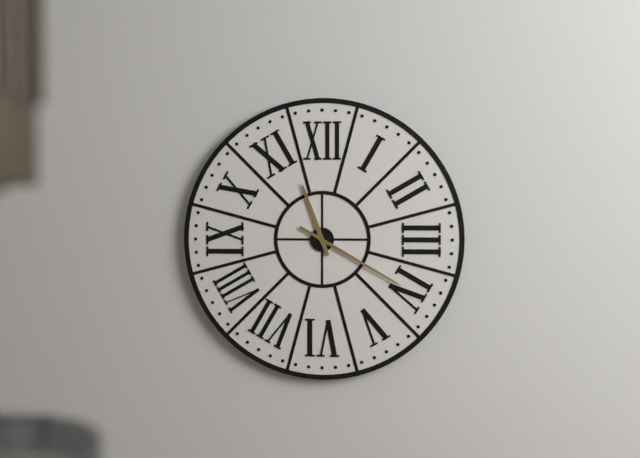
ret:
11.20
